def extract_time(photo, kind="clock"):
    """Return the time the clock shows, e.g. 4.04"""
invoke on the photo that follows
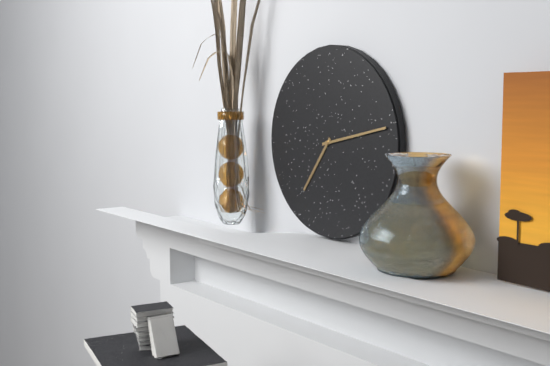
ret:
7.13
